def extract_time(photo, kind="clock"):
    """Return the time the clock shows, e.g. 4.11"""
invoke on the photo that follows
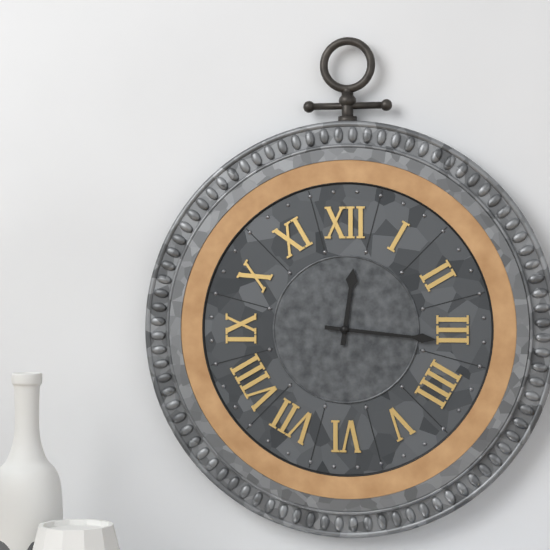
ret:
12.16
